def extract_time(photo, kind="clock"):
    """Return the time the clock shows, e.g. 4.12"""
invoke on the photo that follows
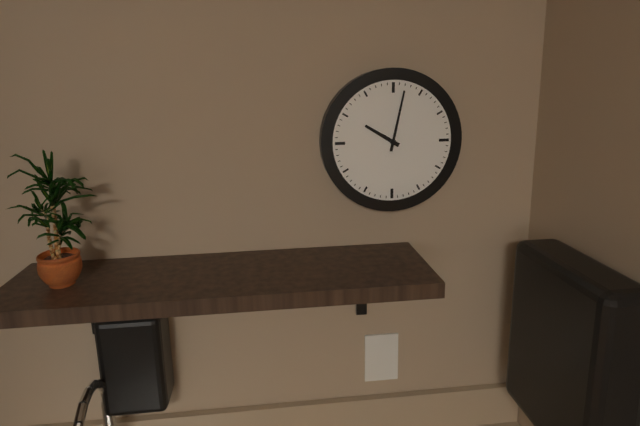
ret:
10.02
